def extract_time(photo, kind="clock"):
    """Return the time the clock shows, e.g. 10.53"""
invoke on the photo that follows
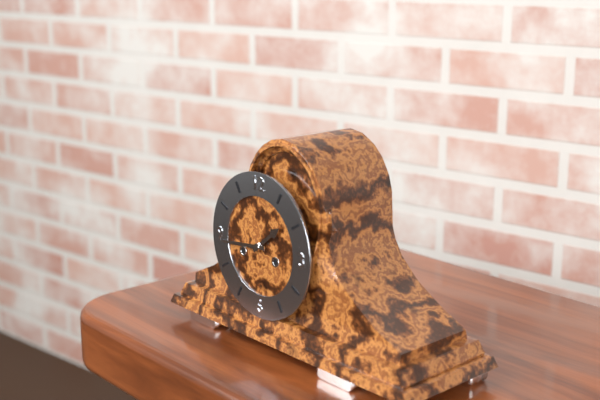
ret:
1.44
